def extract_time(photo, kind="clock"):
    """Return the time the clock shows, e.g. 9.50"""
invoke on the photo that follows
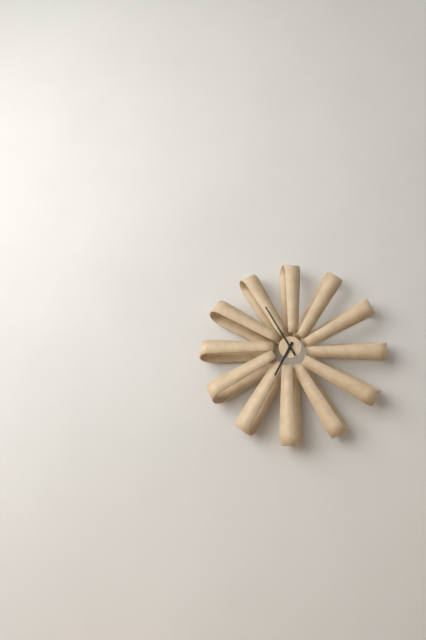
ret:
6.55
